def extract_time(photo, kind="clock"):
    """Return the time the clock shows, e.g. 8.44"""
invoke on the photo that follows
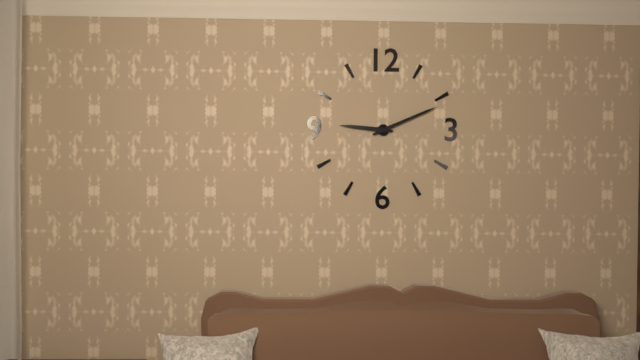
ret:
9.11
